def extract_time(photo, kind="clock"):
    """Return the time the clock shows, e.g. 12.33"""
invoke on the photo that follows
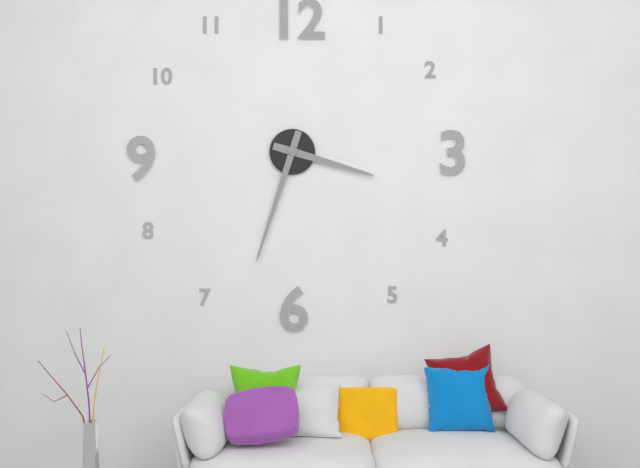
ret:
3.33
